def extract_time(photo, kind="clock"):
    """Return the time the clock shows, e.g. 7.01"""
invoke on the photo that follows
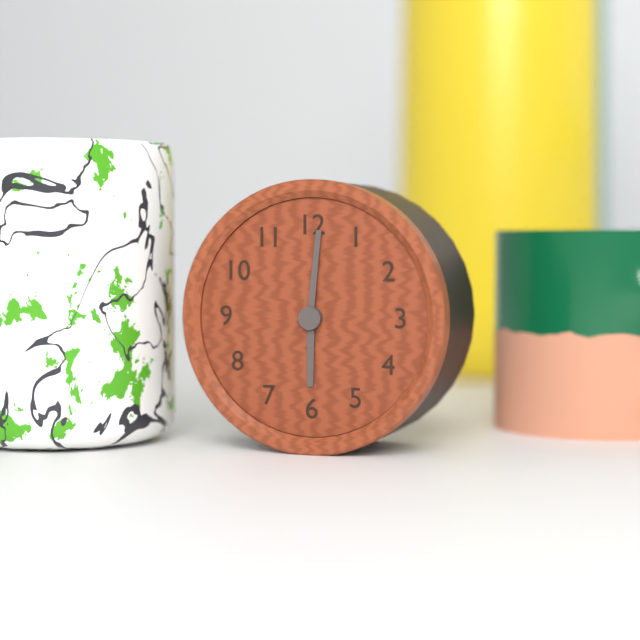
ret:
6.01
